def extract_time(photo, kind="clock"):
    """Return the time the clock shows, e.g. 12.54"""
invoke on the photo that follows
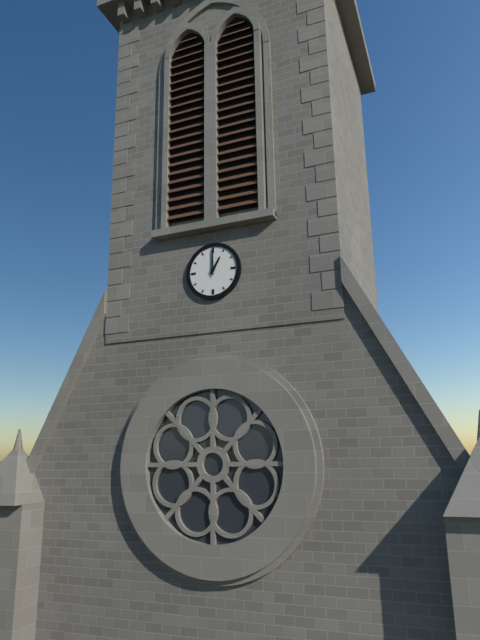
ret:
1.00
